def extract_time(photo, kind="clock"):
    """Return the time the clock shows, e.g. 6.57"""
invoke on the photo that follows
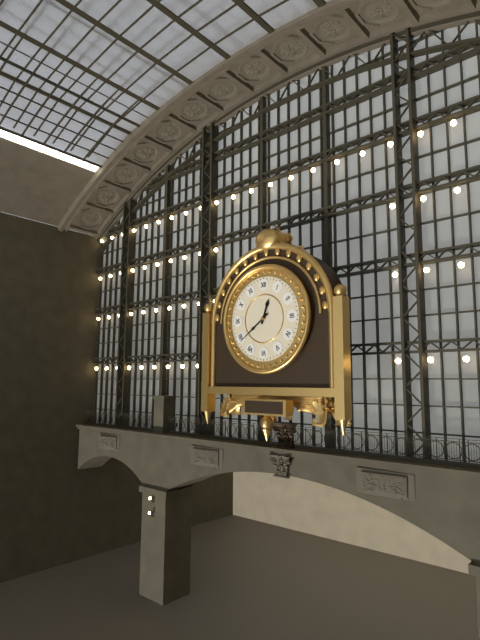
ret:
12.39
